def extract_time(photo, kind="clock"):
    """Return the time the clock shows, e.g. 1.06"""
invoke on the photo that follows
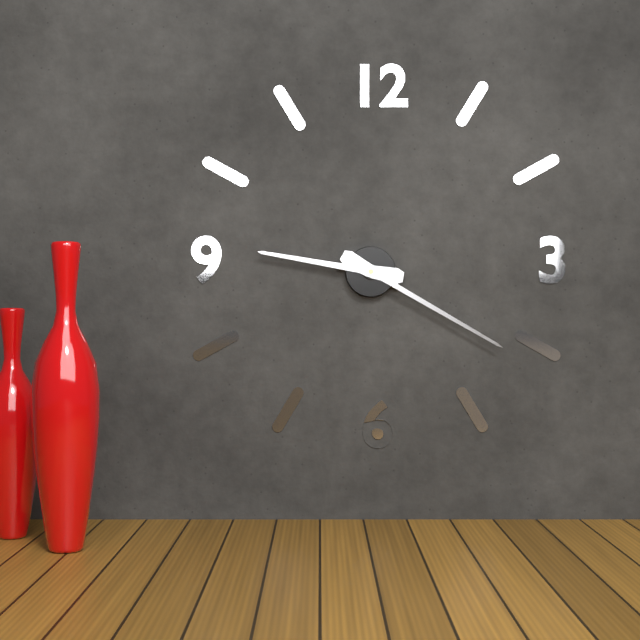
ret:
9.20
